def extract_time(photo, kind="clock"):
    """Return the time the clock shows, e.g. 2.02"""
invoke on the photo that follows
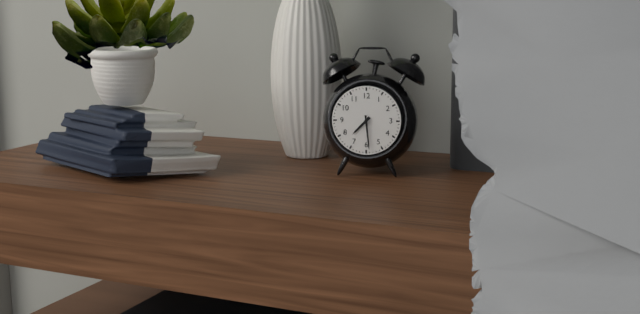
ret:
7.29
